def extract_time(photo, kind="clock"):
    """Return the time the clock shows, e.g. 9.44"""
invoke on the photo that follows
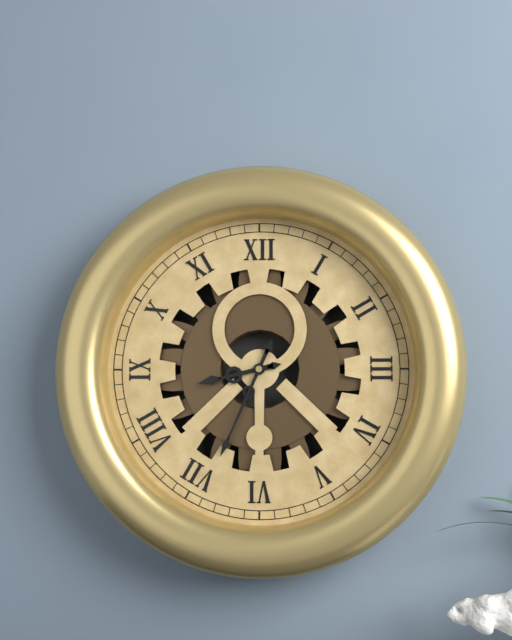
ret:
8.34
